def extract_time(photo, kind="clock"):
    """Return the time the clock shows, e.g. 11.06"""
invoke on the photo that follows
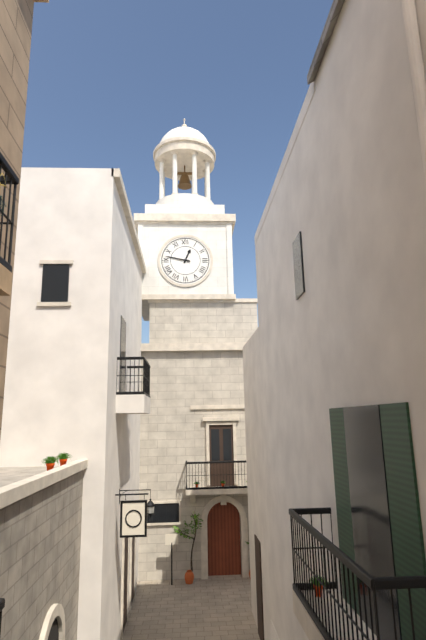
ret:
12.47
